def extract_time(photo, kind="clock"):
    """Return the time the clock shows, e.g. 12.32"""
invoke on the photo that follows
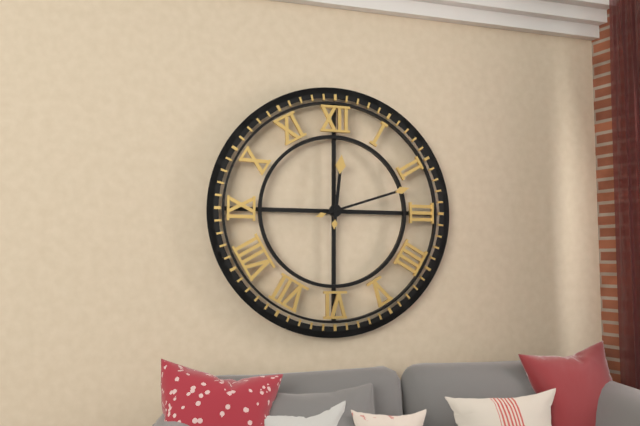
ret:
12.12
